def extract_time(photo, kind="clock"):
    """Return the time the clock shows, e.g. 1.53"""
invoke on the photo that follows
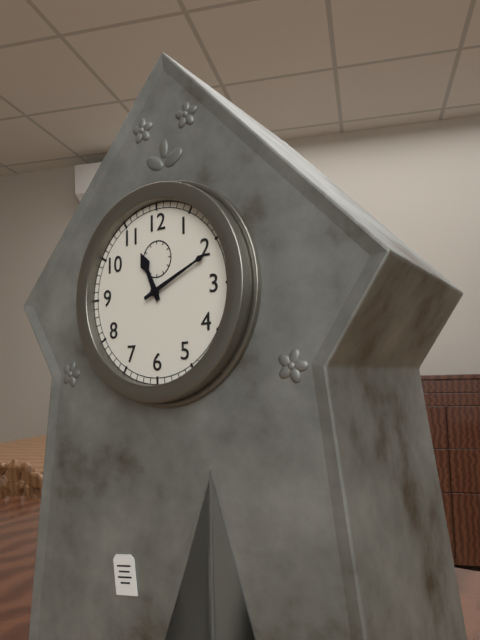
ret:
11.11
